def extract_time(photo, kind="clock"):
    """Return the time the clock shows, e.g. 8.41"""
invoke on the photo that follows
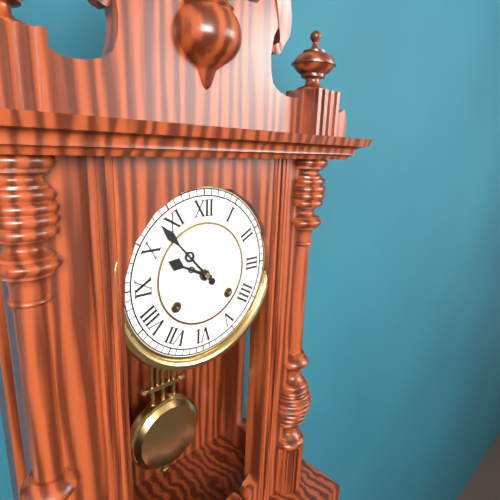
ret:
9.53
